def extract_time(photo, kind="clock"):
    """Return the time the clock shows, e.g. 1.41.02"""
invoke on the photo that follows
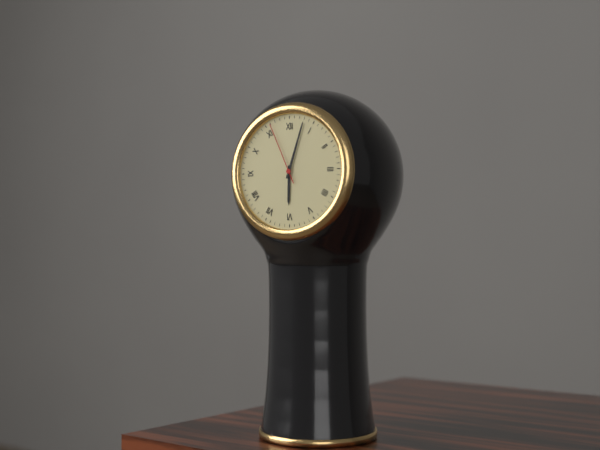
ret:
6.03.56
